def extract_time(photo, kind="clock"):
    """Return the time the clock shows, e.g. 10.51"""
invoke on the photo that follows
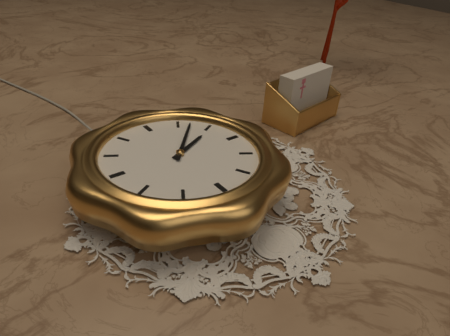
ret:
2.07
